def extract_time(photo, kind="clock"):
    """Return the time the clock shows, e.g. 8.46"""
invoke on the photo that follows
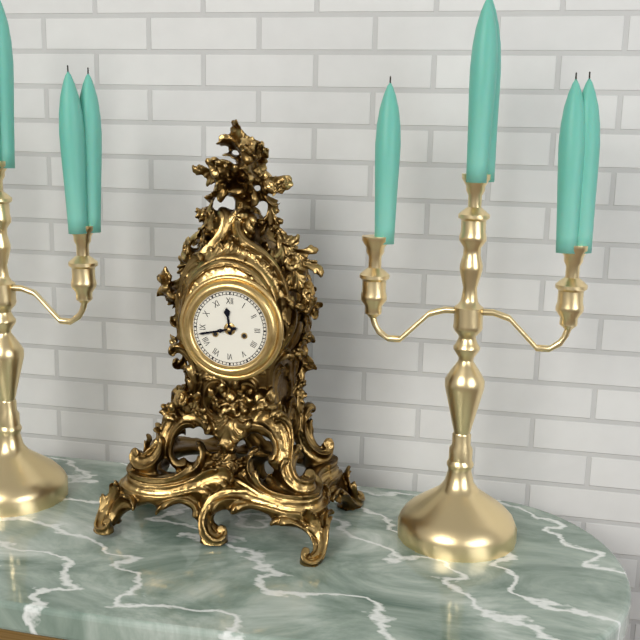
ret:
11.43
